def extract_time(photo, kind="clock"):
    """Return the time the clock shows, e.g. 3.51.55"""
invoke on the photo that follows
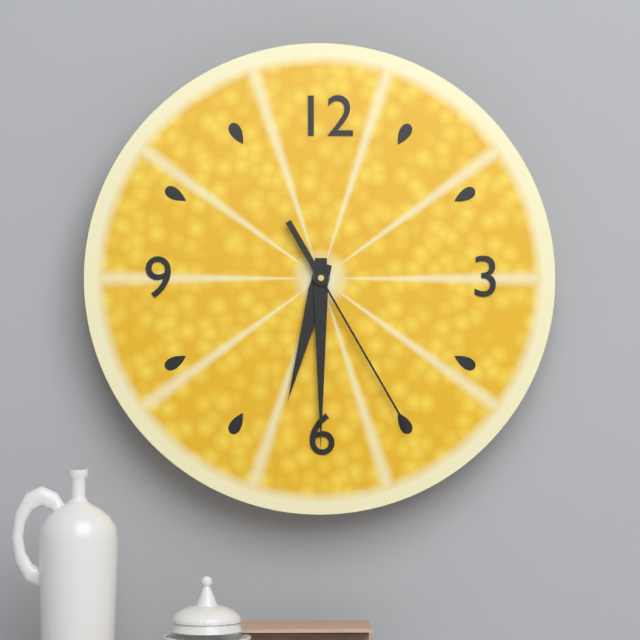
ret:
6.30.25
